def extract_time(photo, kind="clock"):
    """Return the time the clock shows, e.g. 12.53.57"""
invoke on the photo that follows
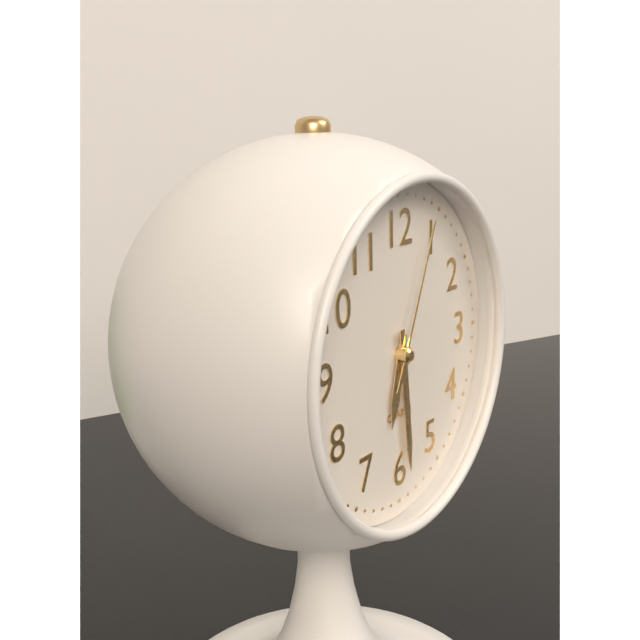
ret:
6.29.04
